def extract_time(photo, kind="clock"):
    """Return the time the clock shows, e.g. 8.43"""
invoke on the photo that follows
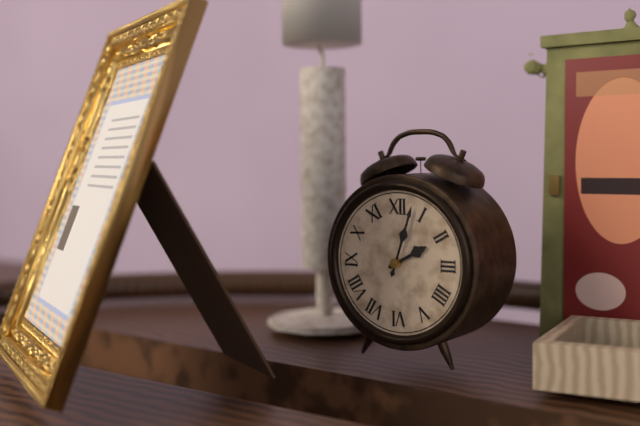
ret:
2.03
